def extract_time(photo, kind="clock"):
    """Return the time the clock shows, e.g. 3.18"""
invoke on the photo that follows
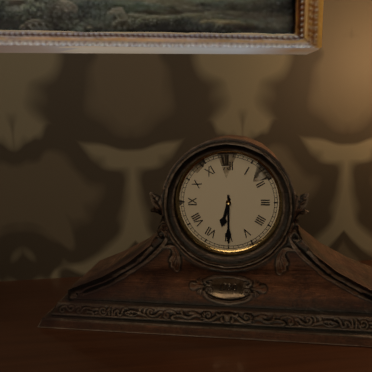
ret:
6.30
